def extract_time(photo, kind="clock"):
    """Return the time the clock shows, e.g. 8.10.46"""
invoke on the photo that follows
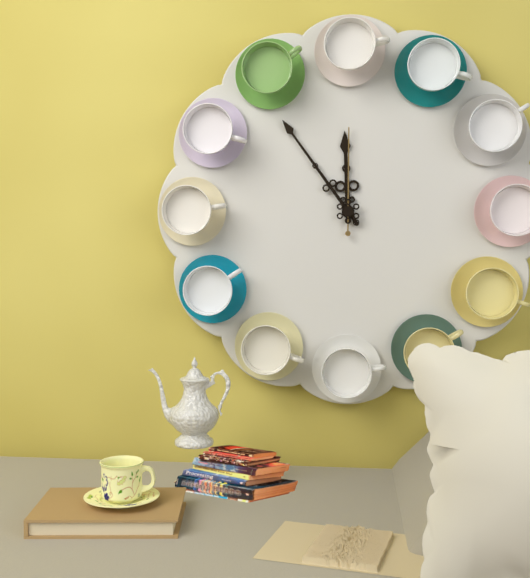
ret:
11.54.00
